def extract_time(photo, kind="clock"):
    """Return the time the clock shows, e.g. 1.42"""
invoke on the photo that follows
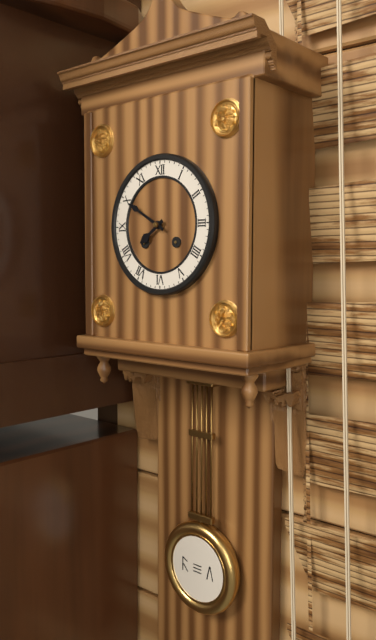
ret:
7.50
